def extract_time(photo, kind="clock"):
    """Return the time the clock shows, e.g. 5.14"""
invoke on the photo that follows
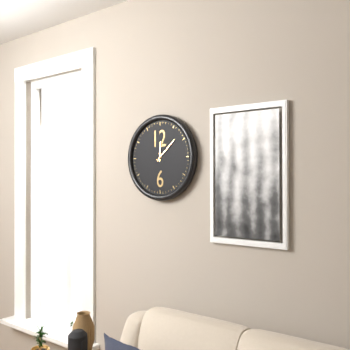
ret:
12.08
